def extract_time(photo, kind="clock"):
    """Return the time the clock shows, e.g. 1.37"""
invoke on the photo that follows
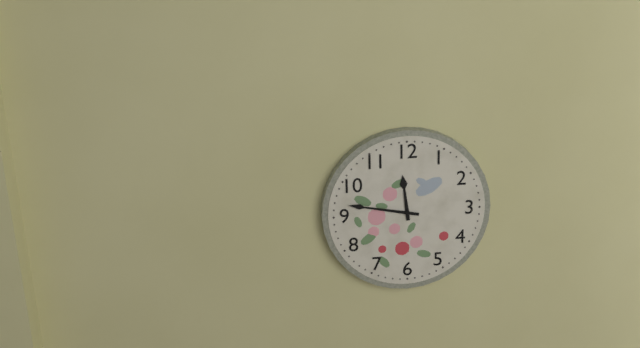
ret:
11.47
